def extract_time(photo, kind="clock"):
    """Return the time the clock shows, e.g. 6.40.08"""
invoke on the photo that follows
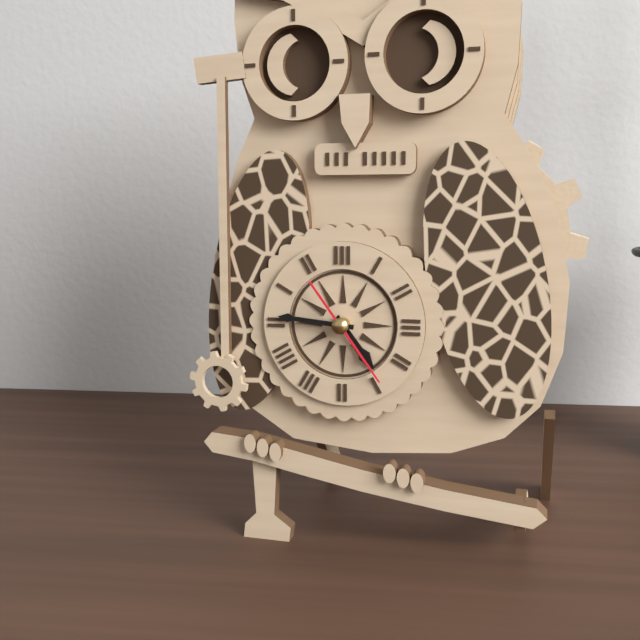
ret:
4.46.24
